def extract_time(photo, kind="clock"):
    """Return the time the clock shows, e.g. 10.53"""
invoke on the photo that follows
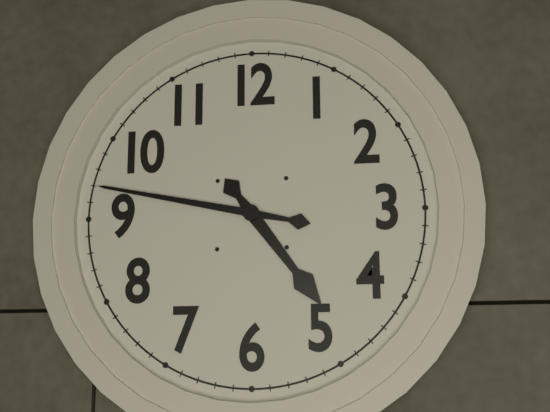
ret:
4.47
